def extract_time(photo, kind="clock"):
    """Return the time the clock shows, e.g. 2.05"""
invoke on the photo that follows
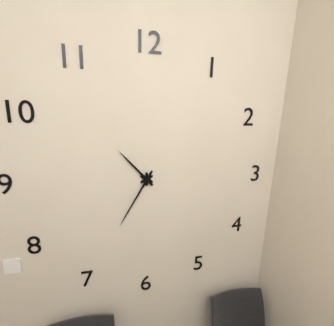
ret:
10.35
